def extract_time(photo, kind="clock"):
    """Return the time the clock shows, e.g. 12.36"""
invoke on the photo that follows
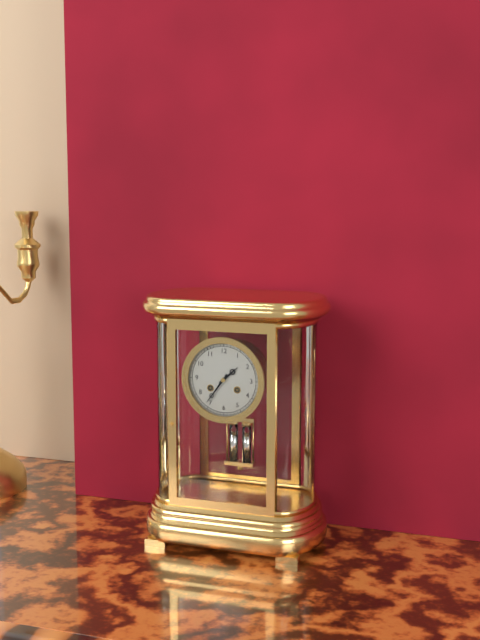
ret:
1.36
